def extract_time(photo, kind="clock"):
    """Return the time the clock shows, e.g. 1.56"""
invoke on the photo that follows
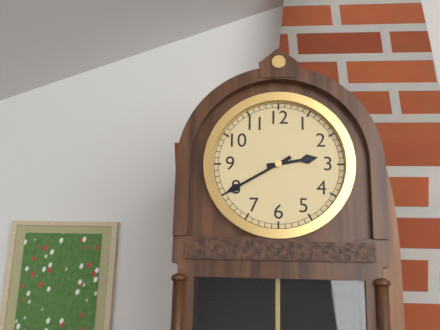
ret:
2.40
